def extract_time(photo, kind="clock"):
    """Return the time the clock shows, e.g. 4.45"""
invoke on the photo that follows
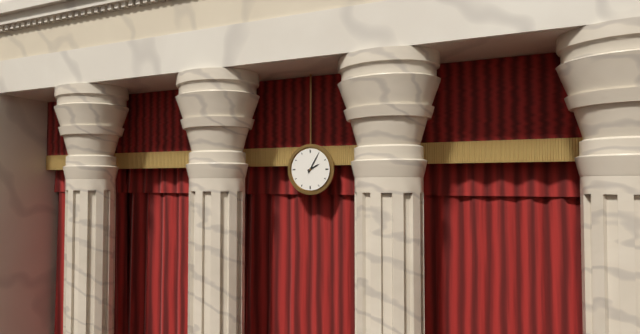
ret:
2.05
